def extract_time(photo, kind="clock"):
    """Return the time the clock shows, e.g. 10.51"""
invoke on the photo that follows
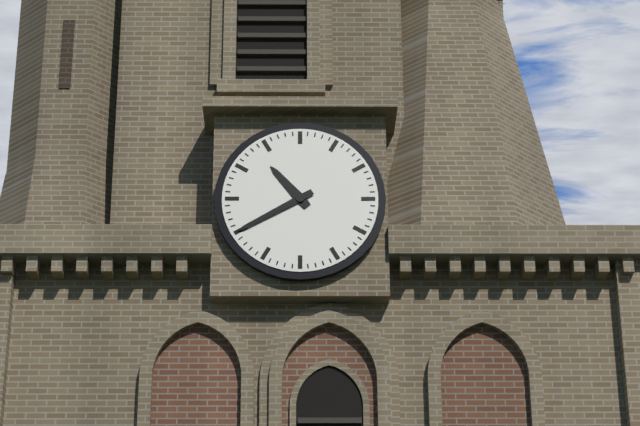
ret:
10.40
